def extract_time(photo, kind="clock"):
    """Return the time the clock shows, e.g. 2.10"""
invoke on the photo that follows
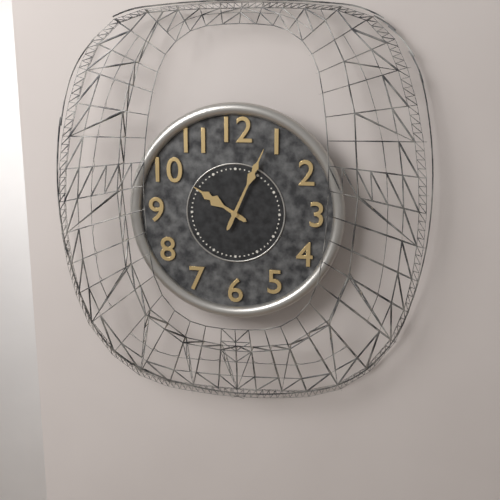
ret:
10.04
